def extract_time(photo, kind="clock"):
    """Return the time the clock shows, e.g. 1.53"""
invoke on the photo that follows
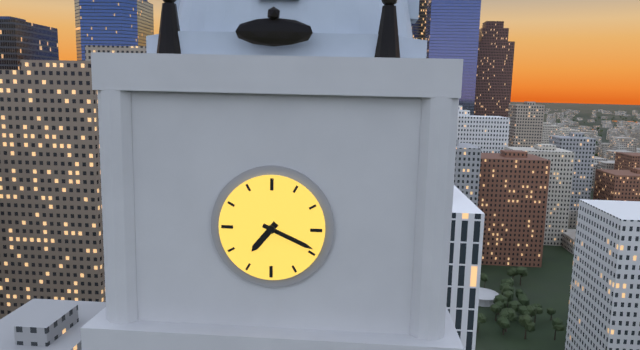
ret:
7.19
